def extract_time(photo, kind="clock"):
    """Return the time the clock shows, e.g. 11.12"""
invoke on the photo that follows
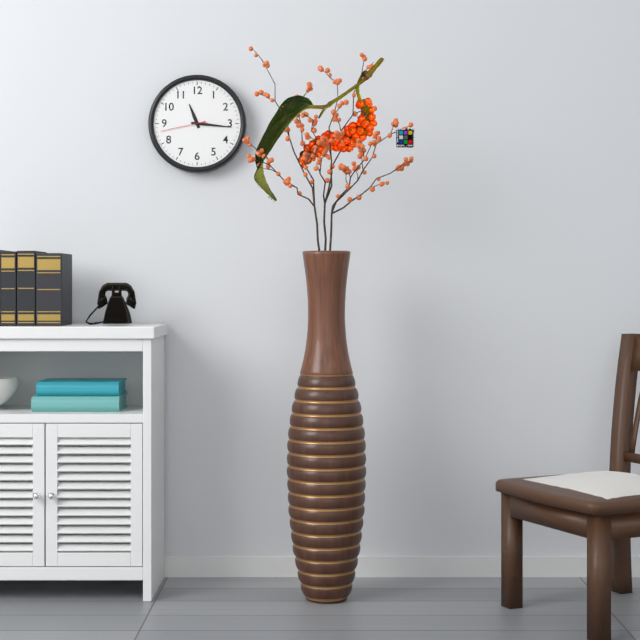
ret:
11.16
